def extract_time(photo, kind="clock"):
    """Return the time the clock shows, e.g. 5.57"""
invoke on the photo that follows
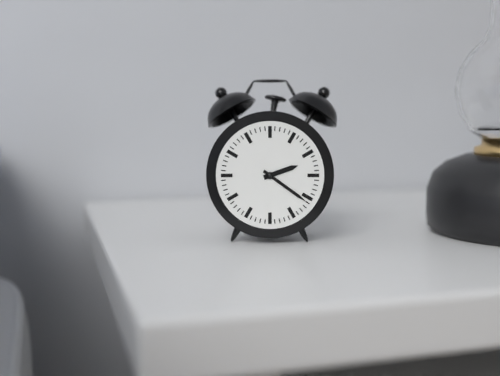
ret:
2.21
